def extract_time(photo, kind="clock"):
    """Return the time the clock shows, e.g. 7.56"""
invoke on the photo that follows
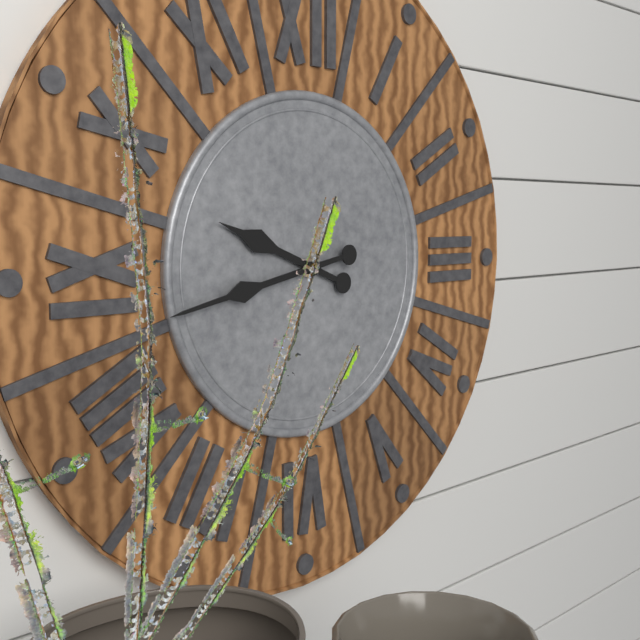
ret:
9.43
